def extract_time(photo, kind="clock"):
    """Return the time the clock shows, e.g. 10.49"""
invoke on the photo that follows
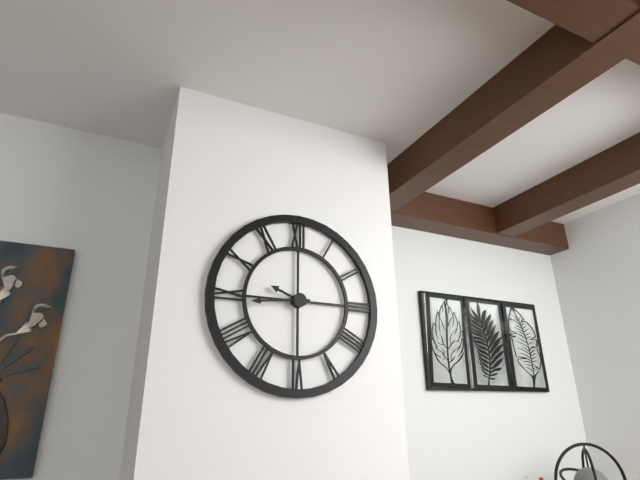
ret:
9.44
